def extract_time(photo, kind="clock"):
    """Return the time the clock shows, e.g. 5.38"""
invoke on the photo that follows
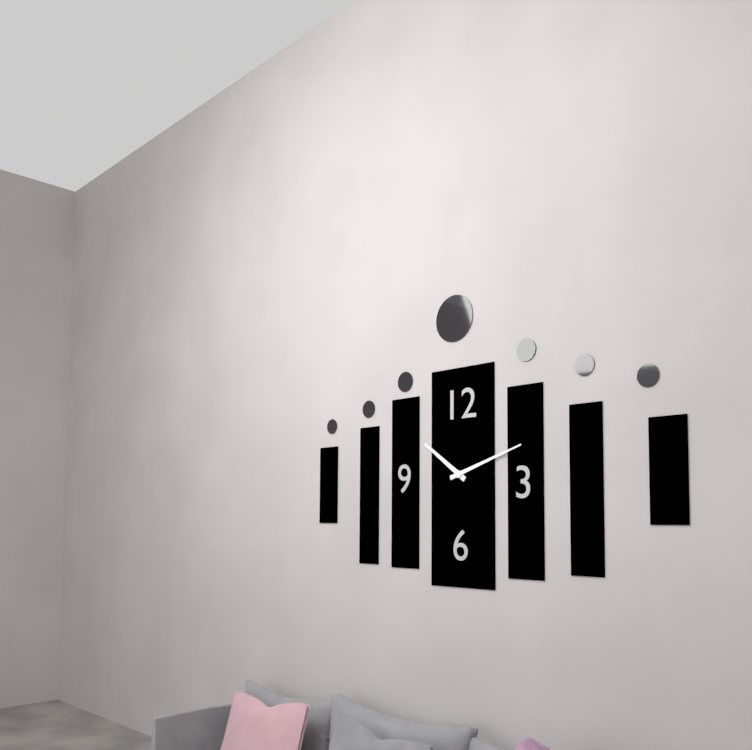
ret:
10.12
